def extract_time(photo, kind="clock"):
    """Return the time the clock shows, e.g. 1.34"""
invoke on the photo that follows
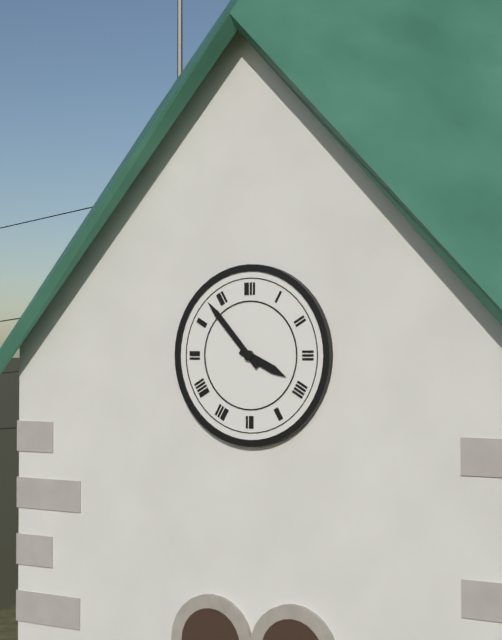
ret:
3.53
